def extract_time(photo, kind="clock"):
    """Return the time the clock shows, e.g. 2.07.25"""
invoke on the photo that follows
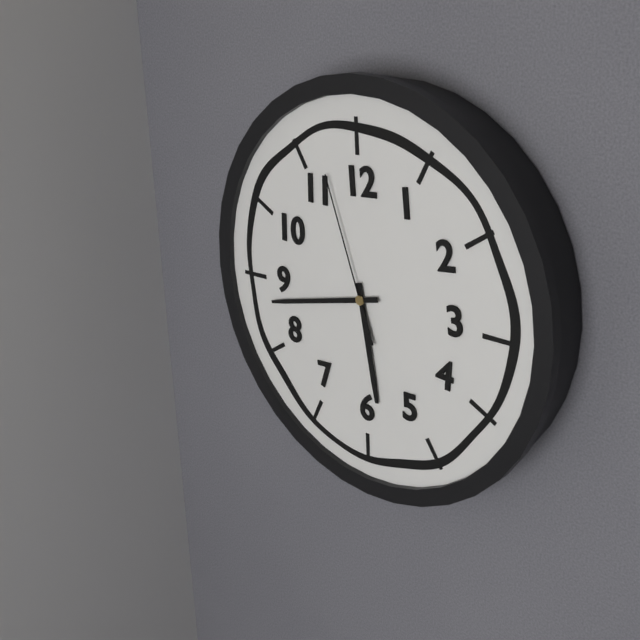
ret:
5.43.57
